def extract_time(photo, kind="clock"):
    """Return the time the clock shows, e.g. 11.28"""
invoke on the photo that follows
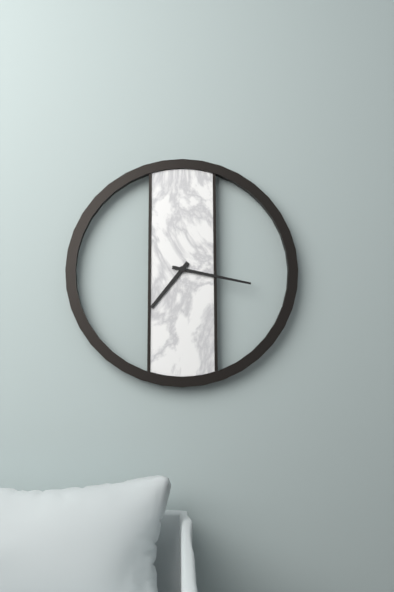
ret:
7.17
